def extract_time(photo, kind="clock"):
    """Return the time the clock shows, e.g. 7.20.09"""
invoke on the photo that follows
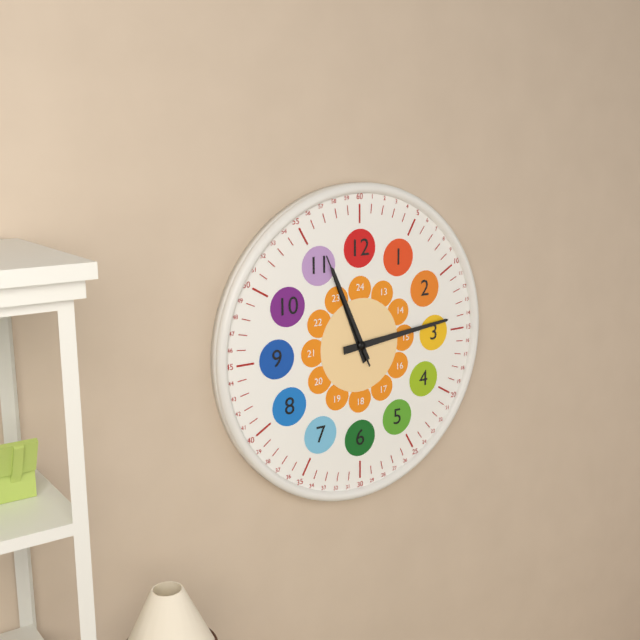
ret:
11.14.56
